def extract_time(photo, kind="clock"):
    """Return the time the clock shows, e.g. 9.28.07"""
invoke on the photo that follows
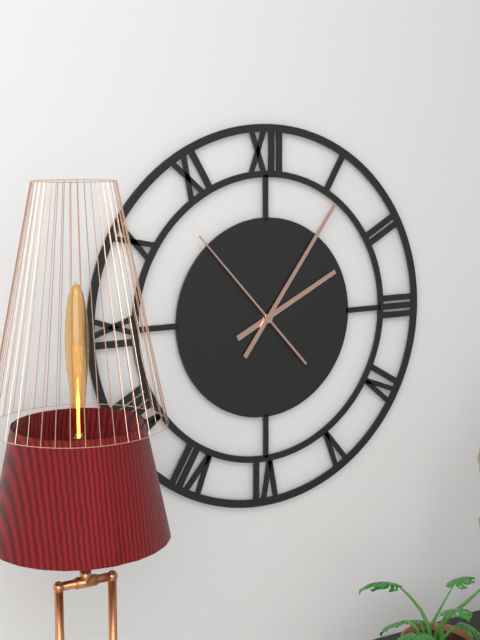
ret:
2.06.53
